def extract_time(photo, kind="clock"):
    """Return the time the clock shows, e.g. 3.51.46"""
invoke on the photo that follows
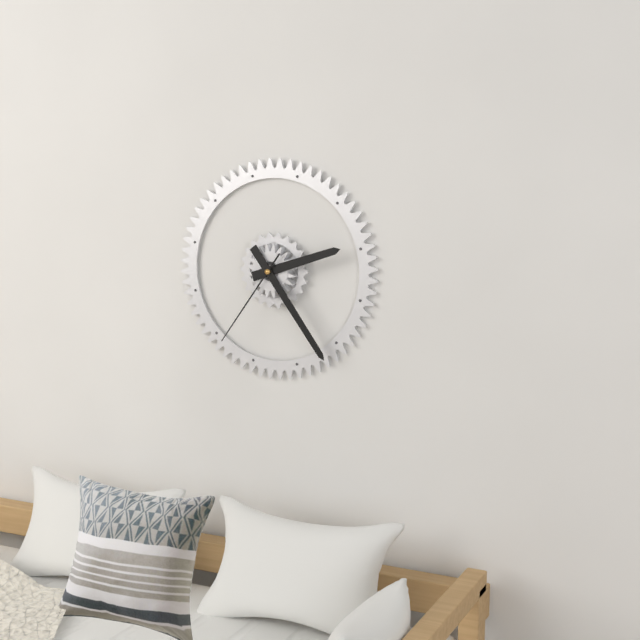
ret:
2.24.36
